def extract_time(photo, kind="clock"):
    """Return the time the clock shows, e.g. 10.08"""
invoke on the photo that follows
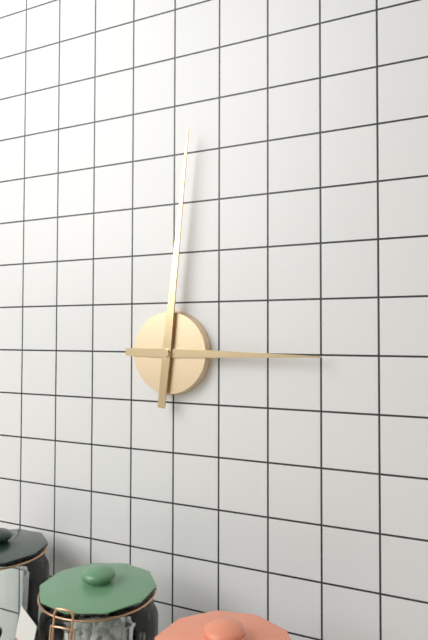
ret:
3.01
